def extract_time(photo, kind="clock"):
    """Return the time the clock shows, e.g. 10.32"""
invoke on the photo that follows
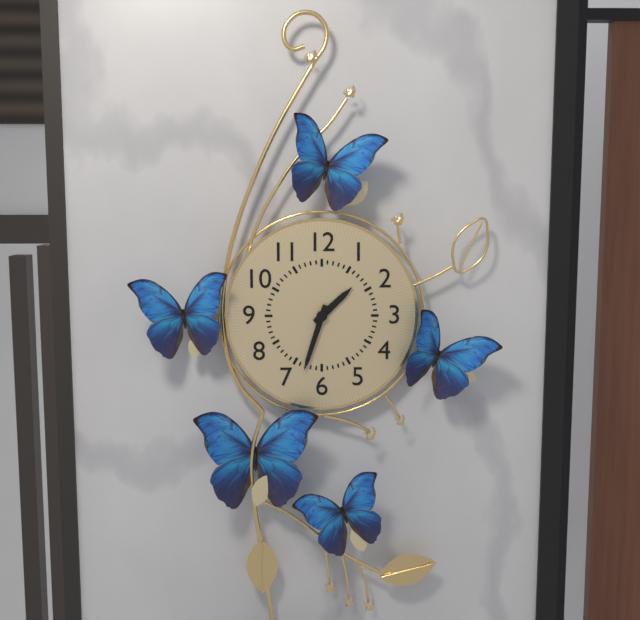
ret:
1.33
